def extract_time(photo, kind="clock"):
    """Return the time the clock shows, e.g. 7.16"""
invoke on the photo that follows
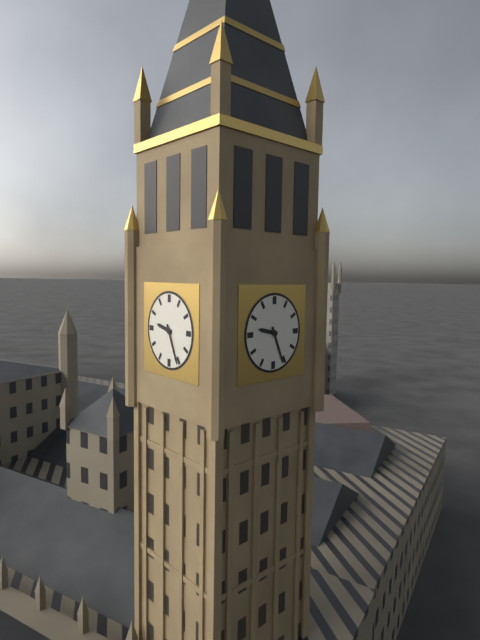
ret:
9.26
